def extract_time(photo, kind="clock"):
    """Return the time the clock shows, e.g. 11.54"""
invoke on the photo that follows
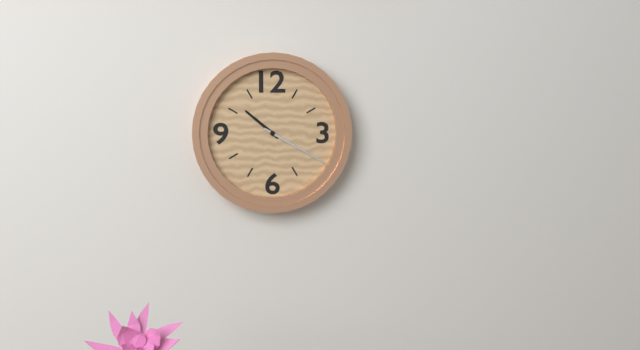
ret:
10.20
